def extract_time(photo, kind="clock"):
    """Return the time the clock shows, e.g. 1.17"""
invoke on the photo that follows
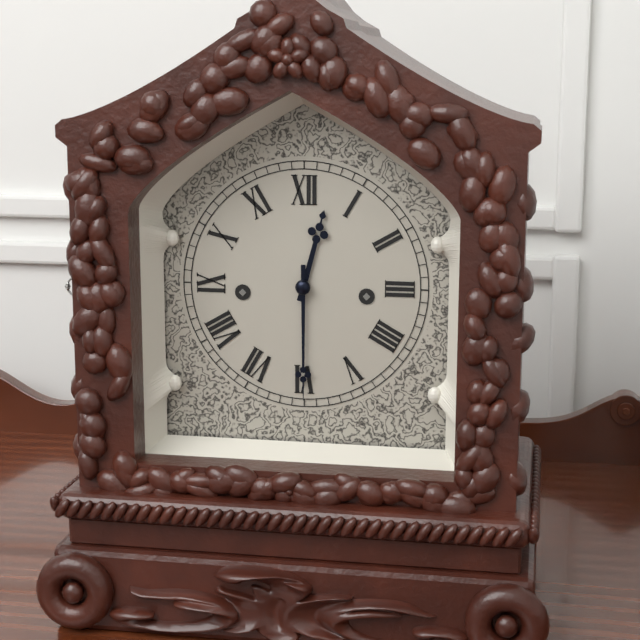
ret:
12.30
